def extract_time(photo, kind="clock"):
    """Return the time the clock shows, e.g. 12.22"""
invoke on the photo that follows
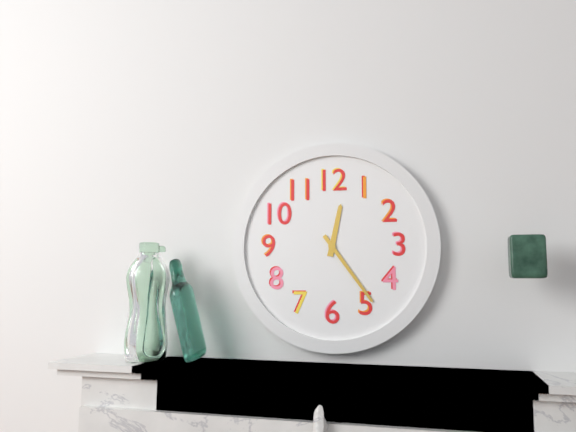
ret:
12.24
